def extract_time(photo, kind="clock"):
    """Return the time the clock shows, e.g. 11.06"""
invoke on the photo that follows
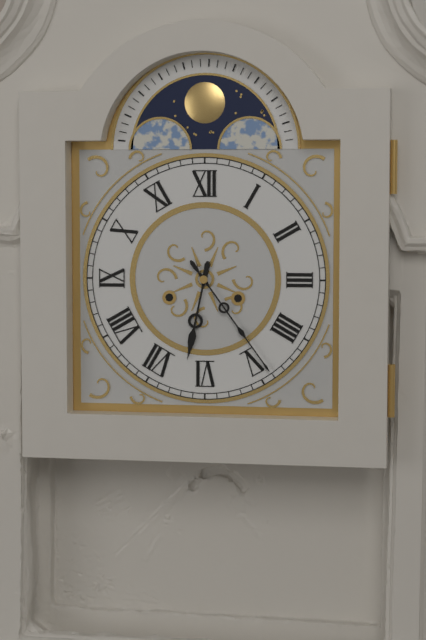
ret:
6.24
